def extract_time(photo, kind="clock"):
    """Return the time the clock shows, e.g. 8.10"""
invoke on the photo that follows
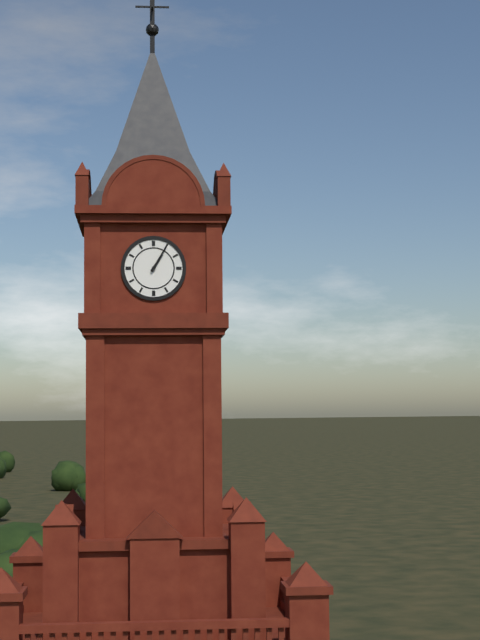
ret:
1.05
